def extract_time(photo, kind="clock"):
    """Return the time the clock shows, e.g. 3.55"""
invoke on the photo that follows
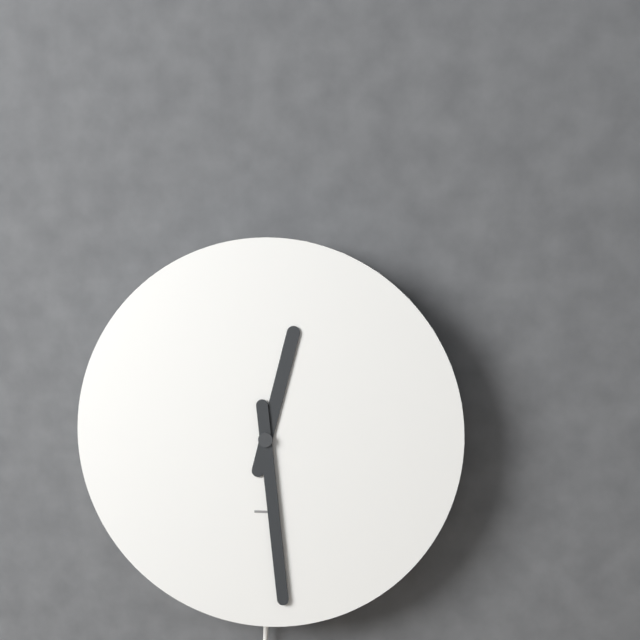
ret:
12.29
